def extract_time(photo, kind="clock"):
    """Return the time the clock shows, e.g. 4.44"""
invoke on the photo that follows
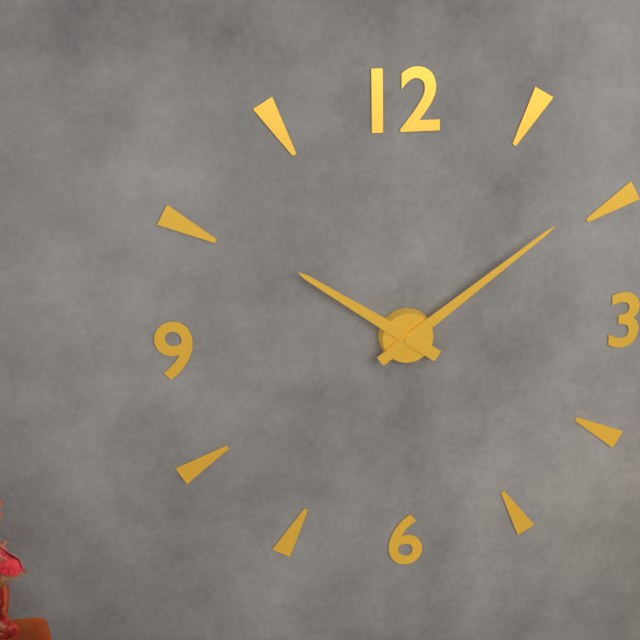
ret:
10.09
